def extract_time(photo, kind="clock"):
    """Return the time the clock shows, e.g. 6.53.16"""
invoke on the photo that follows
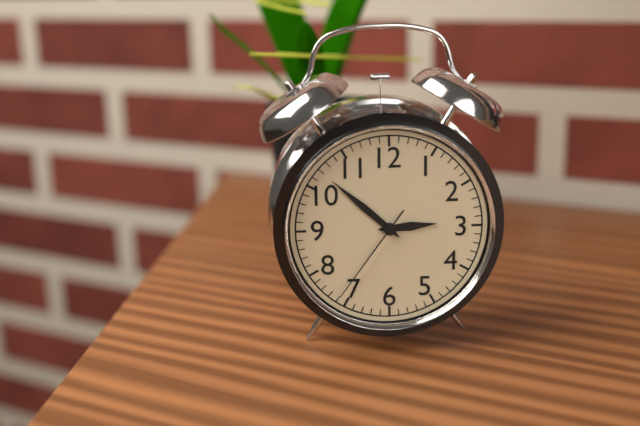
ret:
2.52.36
